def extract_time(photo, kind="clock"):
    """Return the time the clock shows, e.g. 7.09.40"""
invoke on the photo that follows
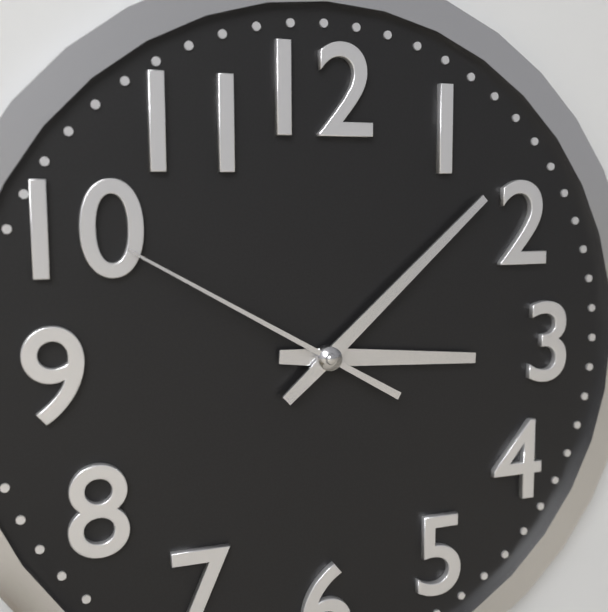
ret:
3.08.50
